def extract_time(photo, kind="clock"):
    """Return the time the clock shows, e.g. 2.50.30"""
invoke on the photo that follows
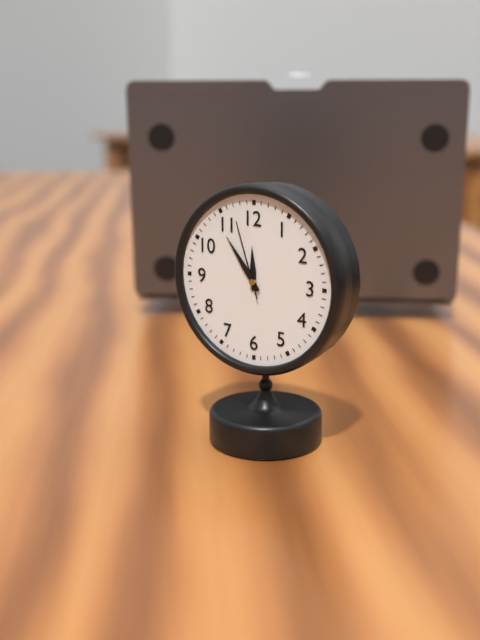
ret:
11.54.57
